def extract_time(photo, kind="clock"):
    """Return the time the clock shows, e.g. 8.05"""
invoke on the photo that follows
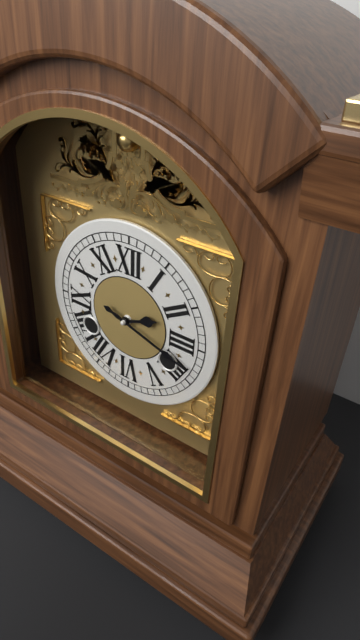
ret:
2.18
